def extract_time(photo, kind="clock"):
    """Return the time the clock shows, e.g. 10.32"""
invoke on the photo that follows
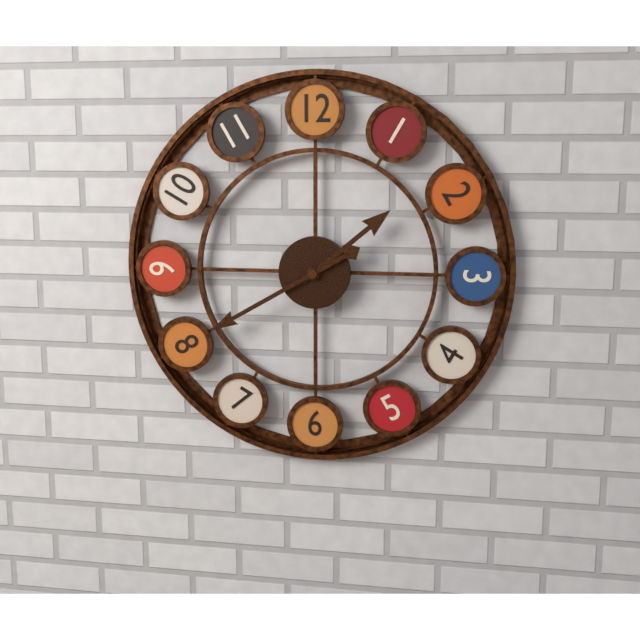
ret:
1.40
